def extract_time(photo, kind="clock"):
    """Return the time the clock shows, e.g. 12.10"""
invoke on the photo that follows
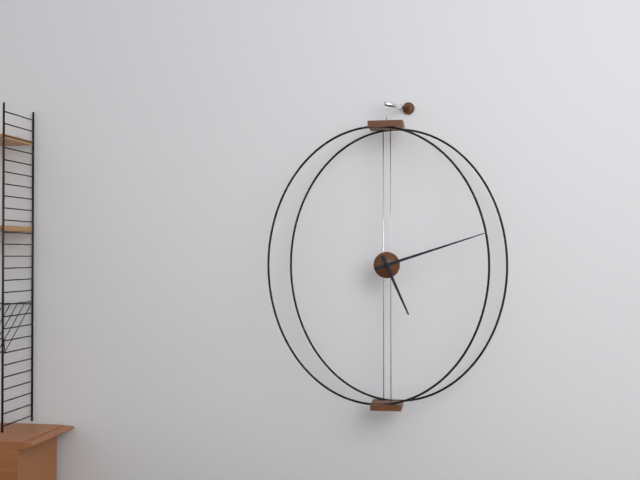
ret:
5.12
